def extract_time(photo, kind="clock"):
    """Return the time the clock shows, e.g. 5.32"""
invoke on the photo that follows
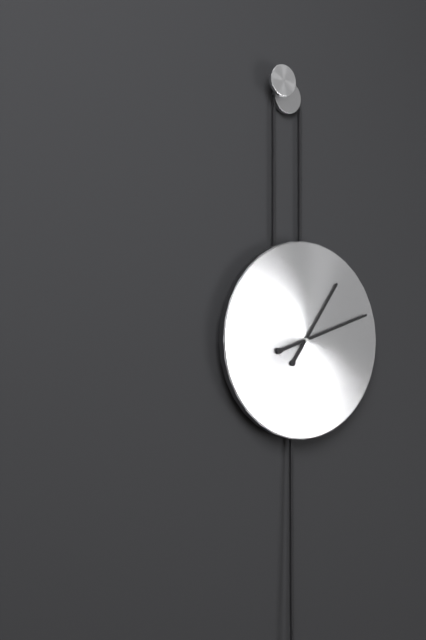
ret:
1.12
